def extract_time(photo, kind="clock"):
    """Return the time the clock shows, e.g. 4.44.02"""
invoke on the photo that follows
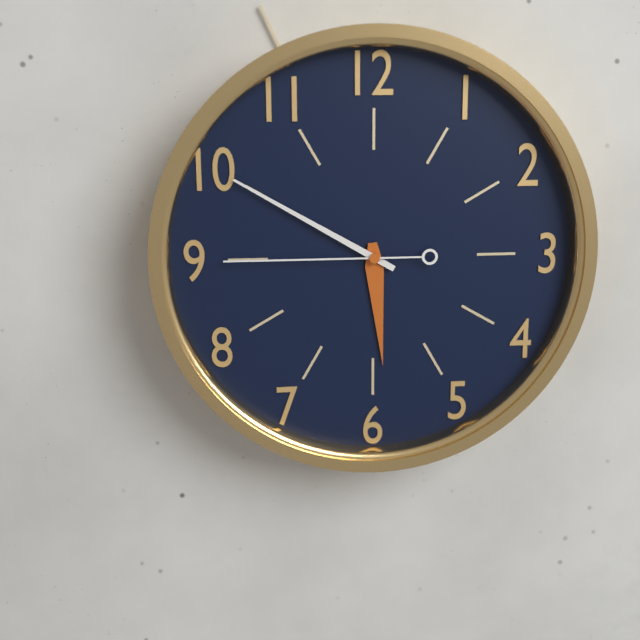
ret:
5.50.45
